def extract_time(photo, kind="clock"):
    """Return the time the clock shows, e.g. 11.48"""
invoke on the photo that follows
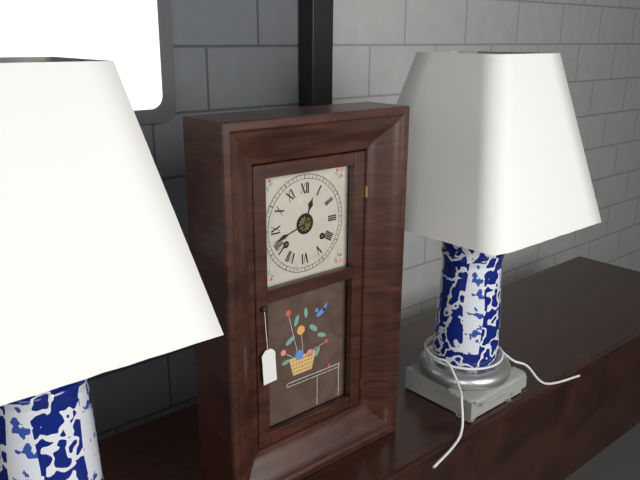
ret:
12.42
